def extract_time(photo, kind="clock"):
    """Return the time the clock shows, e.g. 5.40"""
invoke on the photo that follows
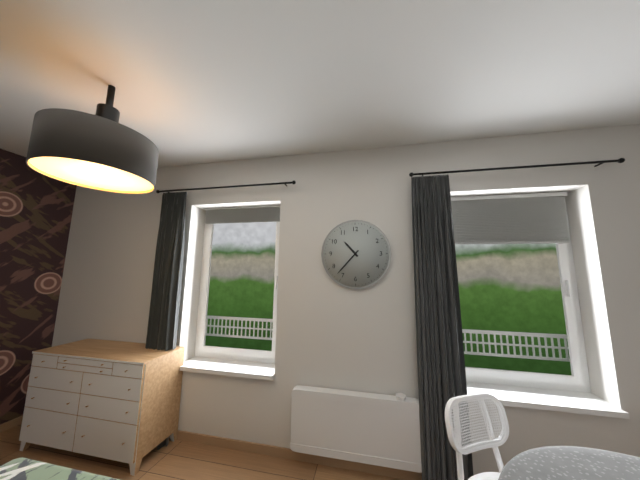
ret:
10.37
